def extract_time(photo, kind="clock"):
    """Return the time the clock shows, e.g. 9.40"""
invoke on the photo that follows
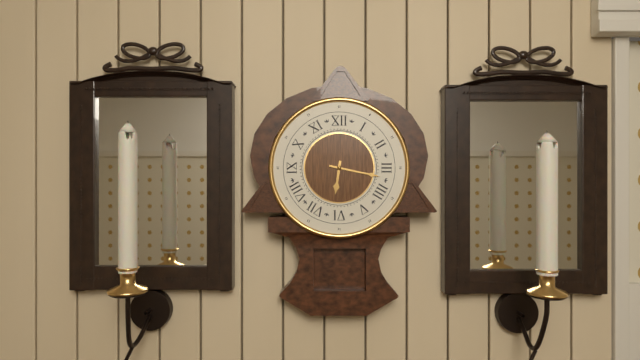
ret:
6.17
